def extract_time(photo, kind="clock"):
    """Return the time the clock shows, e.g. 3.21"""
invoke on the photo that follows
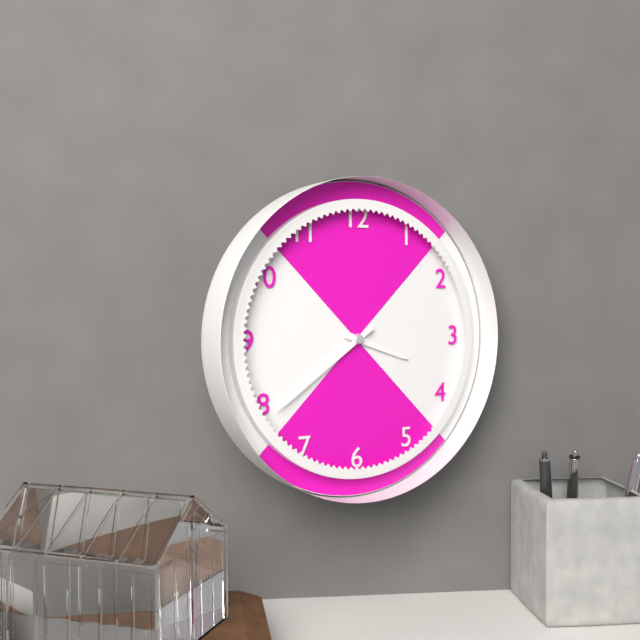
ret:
3.39
